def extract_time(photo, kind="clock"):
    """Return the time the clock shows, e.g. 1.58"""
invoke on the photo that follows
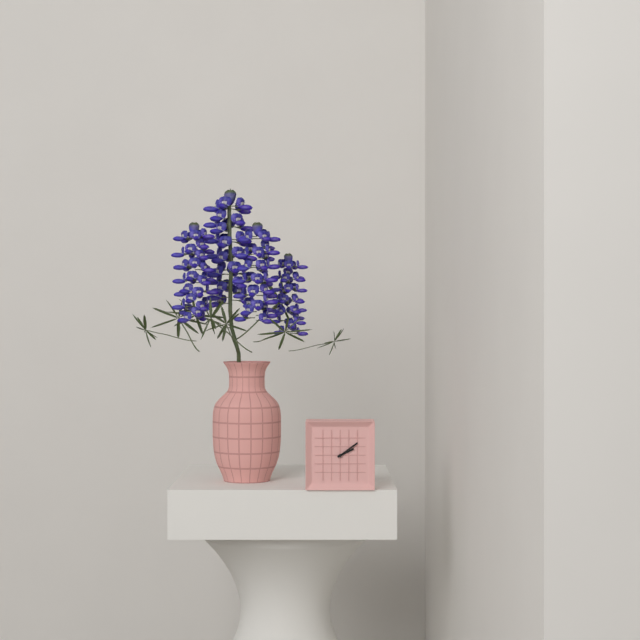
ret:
2.09
